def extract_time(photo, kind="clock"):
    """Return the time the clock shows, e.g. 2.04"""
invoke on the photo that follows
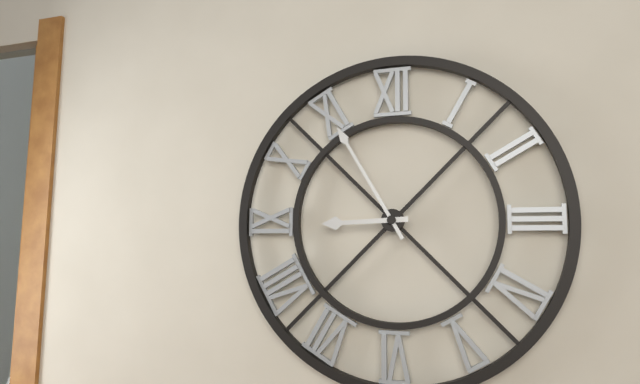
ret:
8.55
